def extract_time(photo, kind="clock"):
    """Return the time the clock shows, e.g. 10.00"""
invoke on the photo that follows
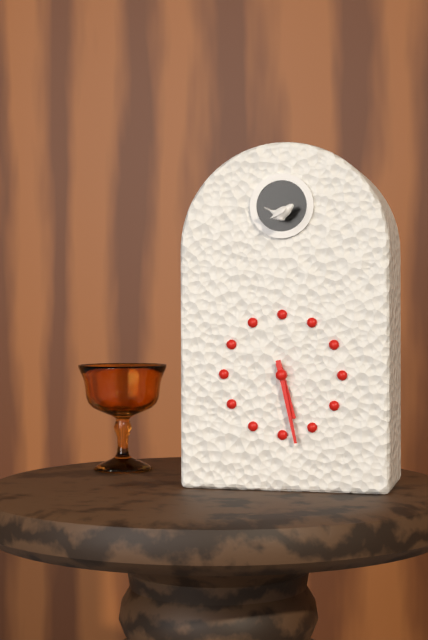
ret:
5.28
